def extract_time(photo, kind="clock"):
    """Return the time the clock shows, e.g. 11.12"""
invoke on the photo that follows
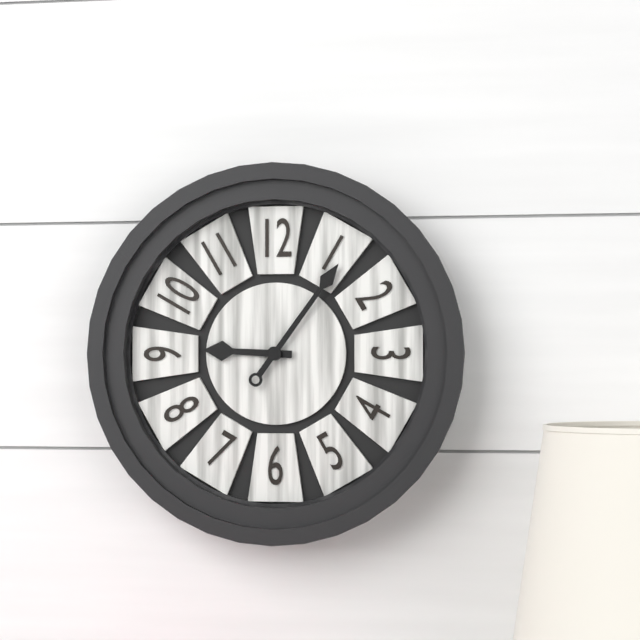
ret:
9.06
